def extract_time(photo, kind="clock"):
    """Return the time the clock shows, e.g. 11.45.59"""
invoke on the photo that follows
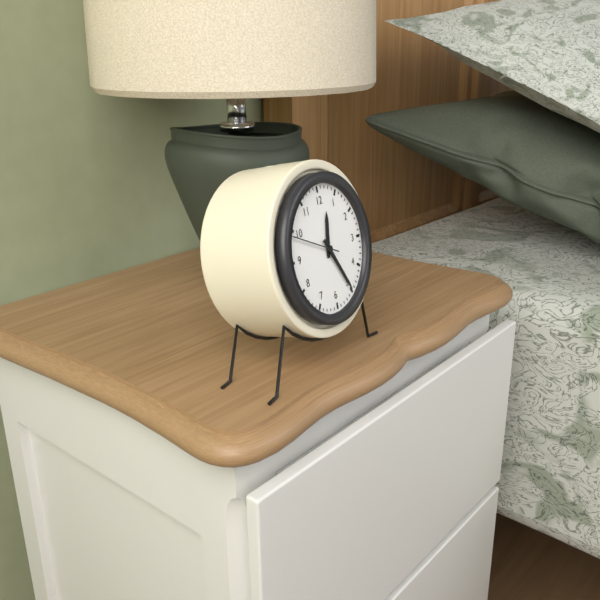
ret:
12.25.49
